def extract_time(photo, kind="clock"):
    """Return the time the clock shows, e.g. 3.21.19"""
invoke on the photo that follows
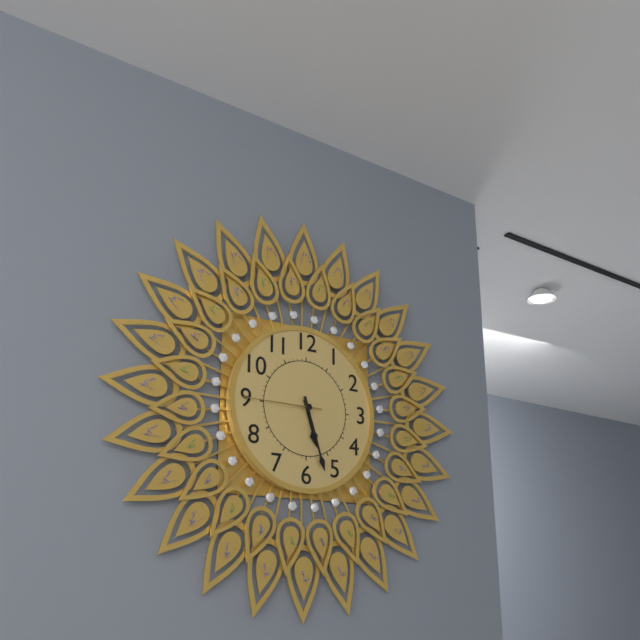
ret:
5.27.45
